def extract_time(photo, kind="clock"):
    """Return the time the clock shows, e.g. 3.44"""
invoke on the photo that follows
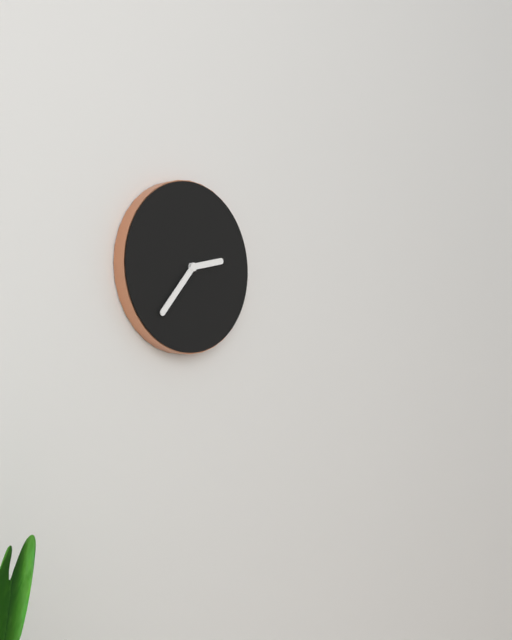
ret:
2.37
